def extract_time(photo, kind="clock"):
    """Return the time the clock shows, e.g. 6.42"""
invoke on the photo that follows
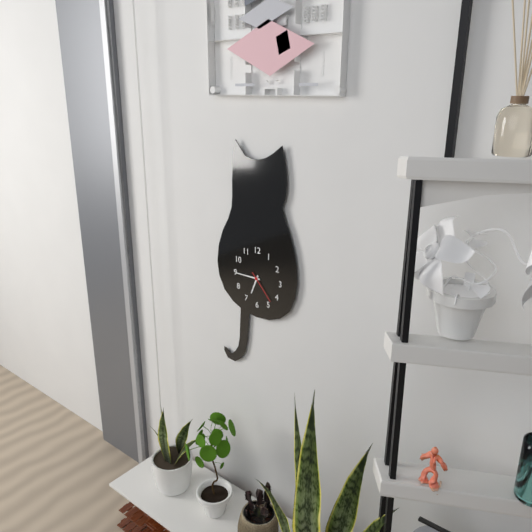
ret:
6.45
